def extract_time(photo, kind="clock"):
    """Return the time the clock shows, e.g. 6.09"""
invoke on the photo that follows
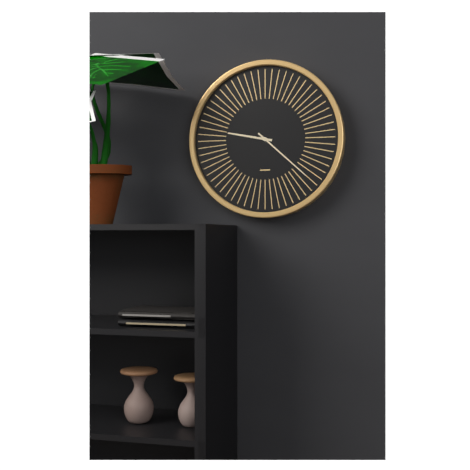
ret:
9.22
